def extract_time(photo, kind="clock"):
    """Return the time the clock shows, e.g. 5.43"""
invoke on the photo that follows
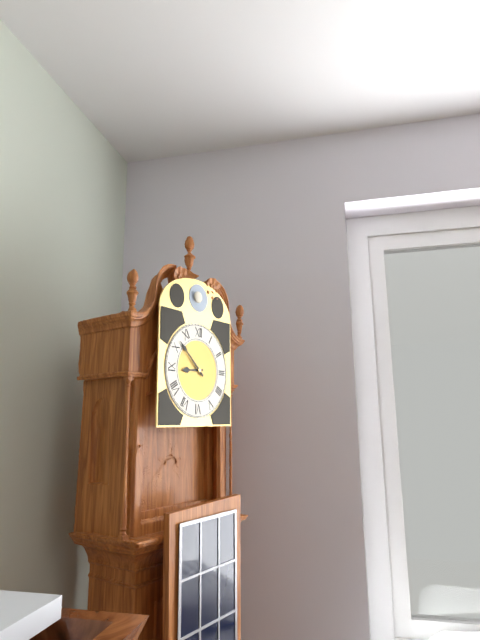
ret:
8.52
